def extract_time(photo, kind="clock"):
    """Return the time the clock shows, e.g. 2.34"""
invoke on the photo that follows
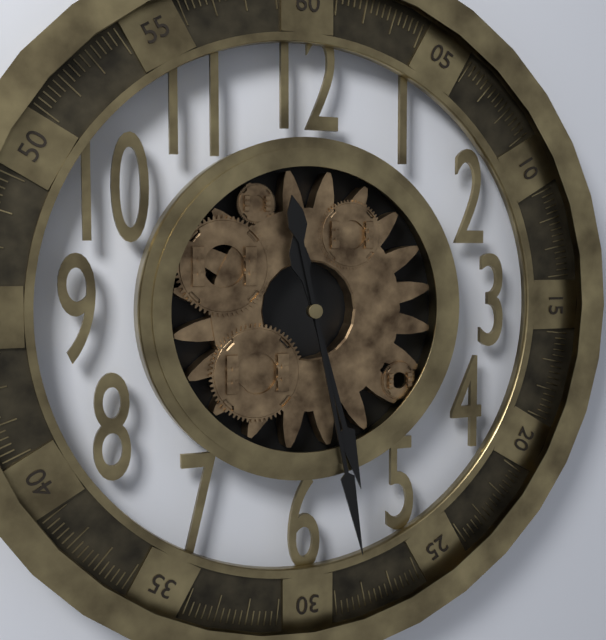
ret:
5.28
